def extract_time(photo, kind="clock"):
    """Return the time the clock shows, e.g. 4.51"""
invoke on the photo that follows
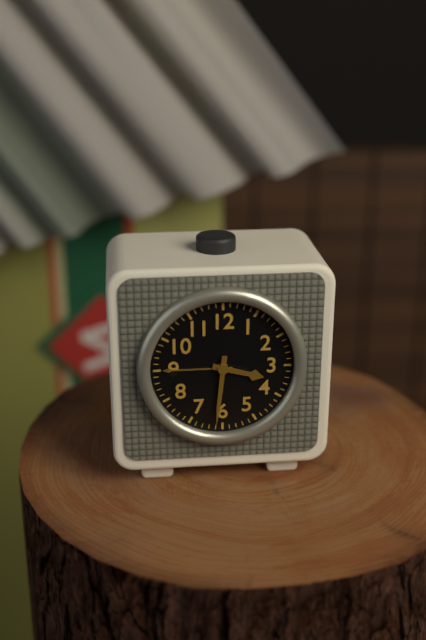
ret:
3.31
